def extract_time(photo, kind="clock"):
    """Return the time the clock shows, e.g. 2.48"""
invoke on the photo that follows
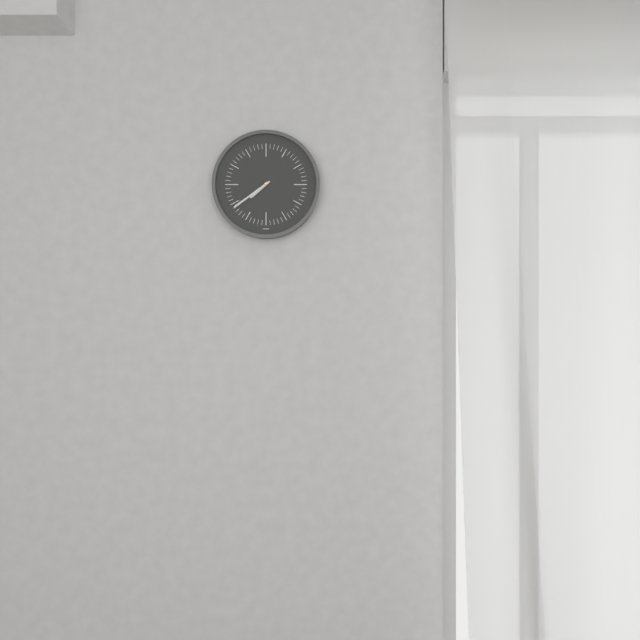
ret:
7.39
